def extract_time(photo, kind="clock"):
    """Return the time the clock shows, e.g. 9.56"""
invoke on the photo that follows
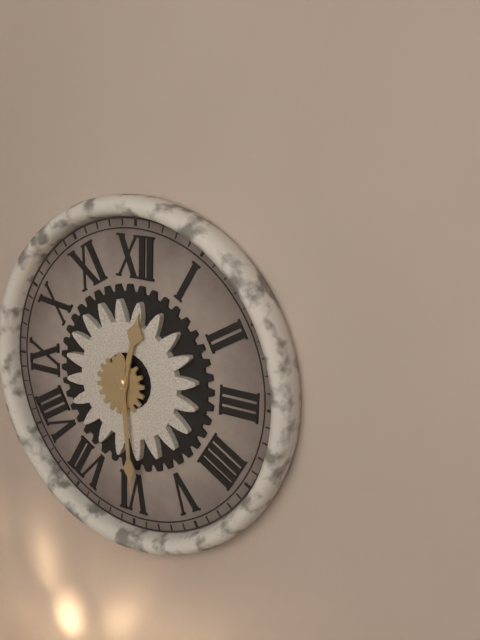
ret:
12.29
